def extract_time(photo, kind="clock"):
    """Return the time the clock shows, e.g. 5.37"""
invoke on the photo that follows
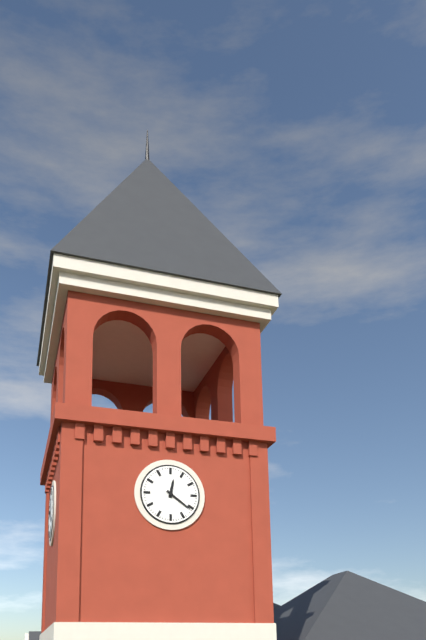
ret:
12.21
